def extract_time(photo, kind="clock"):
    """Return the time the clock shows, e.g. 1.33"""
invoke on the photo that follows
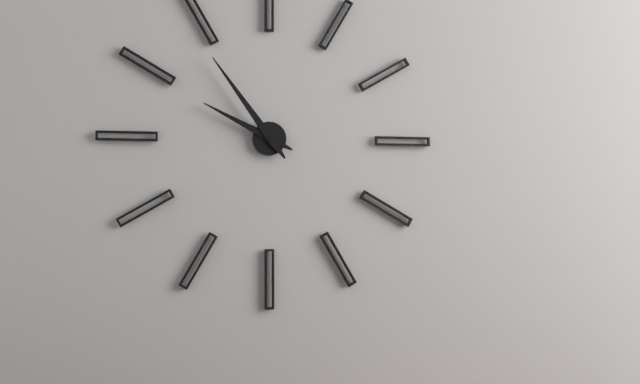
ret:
9.54
